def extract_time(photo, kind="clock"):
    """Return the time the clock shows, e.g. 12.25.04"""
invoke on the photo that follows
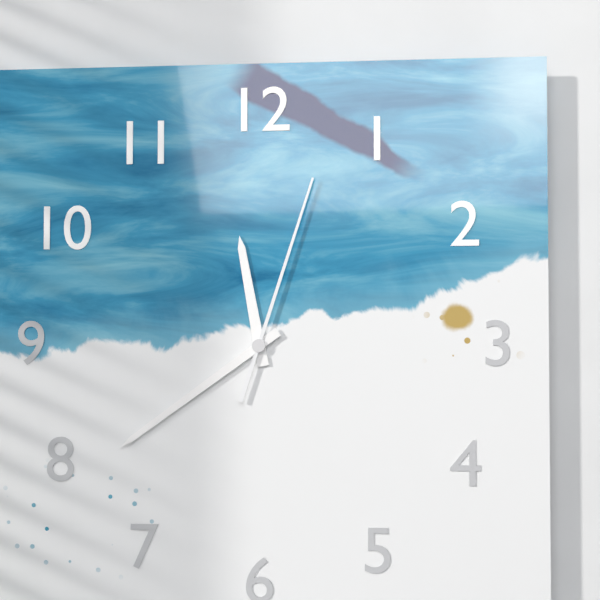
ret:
11.39.03
